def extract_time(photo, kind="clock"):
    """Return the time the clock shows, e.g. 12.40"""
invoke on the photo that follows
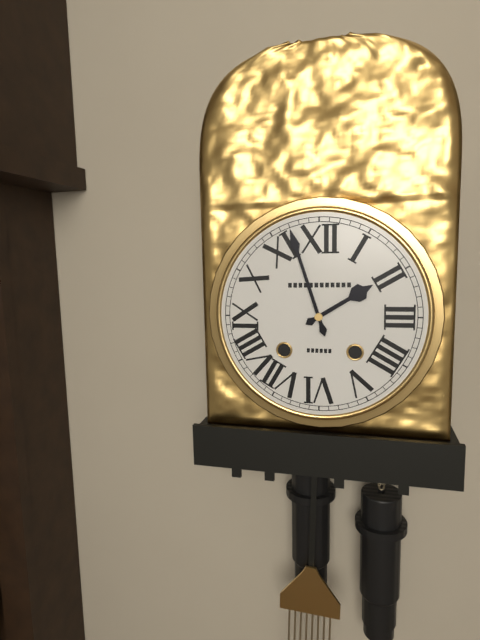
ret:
1.57
